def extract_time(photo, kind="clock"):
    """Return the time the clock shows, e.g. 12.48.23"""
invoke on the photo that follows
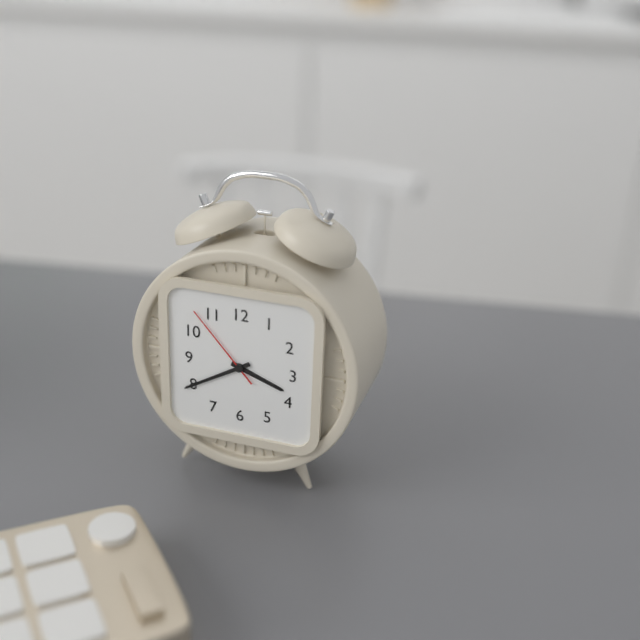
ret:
3.40.53
